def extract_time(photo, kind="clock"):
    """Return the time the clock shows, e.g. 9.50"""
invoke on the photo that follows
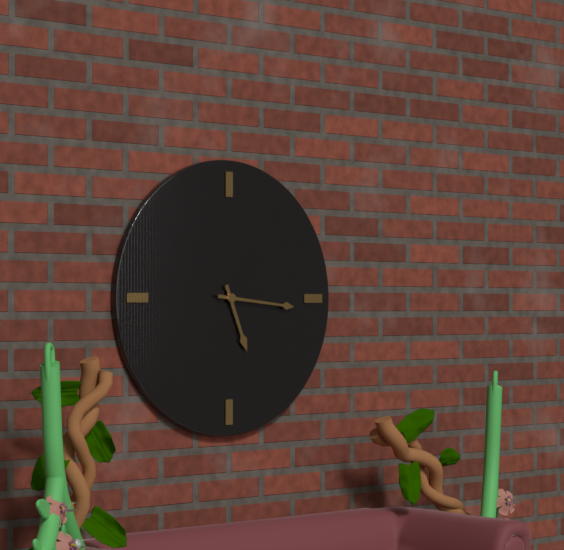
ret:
5.16
